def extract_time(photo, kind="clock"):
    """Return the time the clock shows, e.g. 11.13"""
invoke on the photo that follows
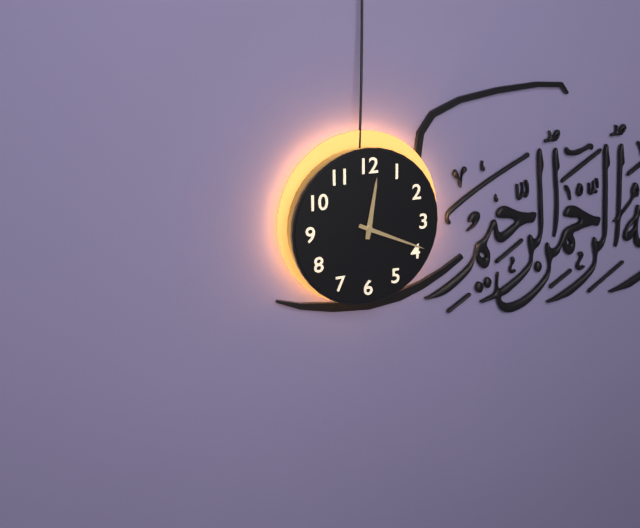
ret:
12.19
